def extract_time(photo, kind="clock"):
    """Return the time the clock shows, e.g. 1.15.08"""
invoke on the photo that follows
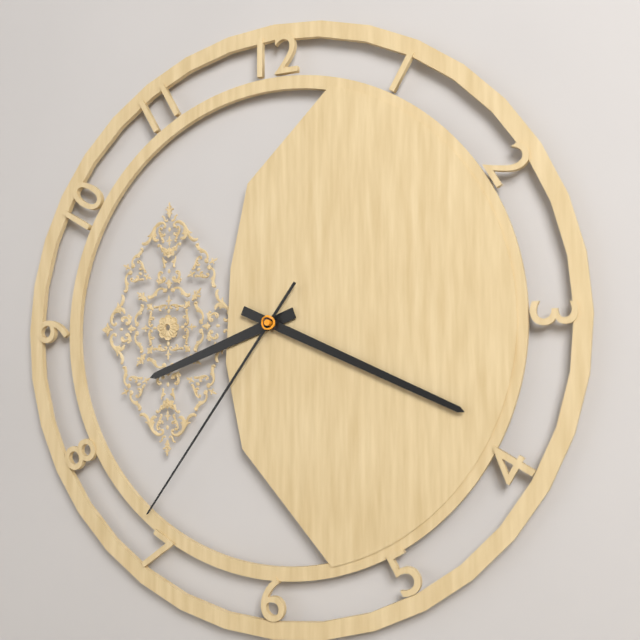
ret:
8.19.36
